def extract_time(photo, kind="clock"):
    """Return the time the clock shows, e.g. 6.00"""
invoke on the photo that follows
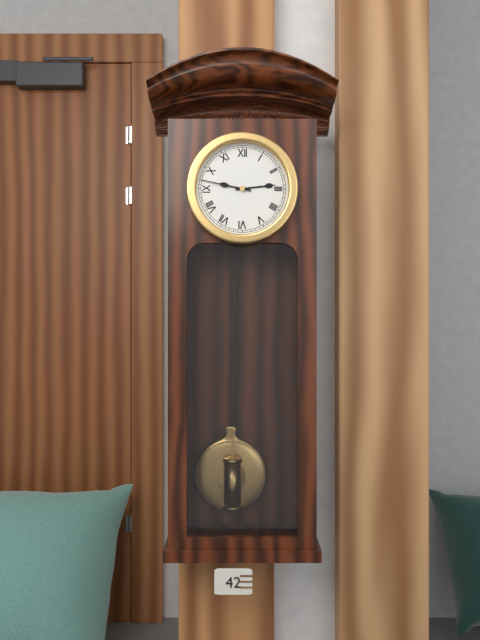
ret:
2.47
